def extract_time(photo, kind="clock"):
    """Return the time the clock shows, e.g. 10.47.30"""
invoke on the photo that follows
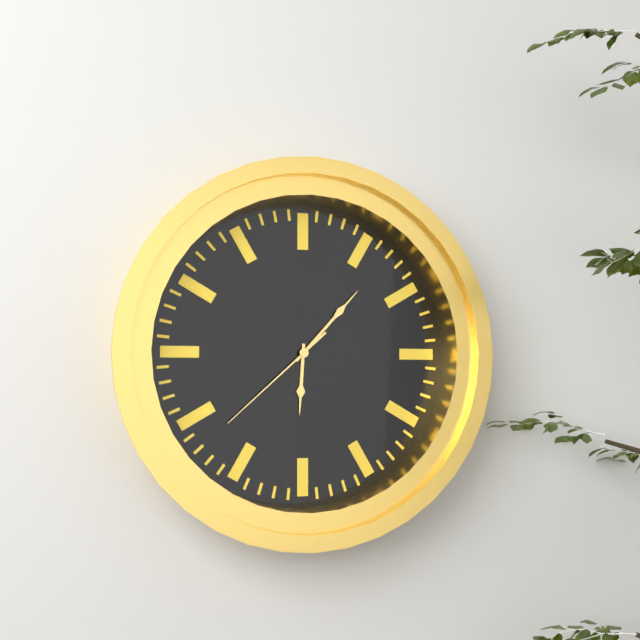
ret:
6.07.38
